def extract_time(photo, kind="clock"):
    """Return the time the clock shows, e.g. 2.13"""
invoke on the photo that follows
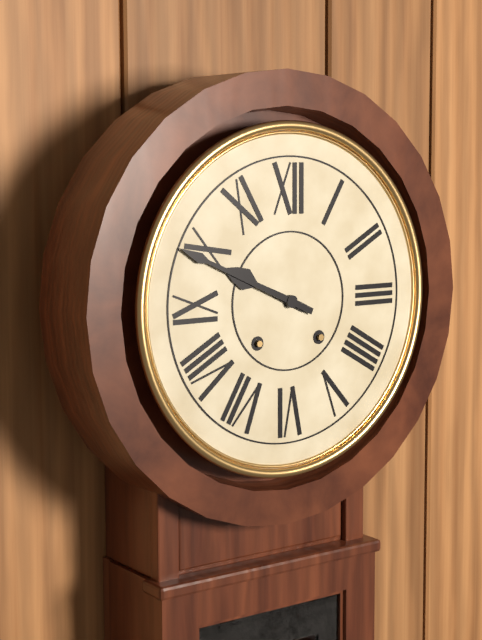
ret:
9.49
